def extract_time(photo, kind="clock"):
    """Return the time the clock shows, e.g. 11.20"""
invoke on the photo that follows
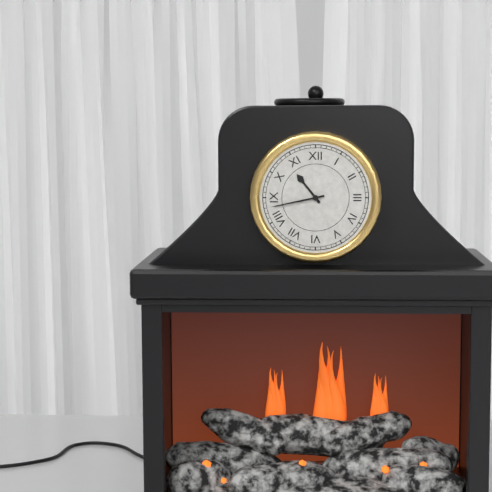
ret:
10.43
